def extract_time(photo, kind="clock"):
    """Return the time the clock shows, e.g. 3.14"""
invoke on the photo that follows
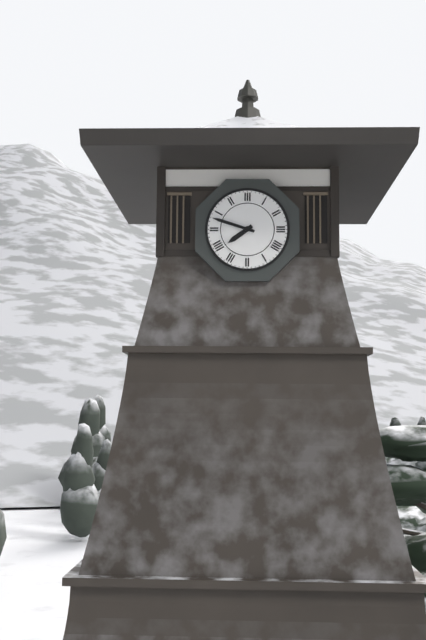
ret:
7.48
